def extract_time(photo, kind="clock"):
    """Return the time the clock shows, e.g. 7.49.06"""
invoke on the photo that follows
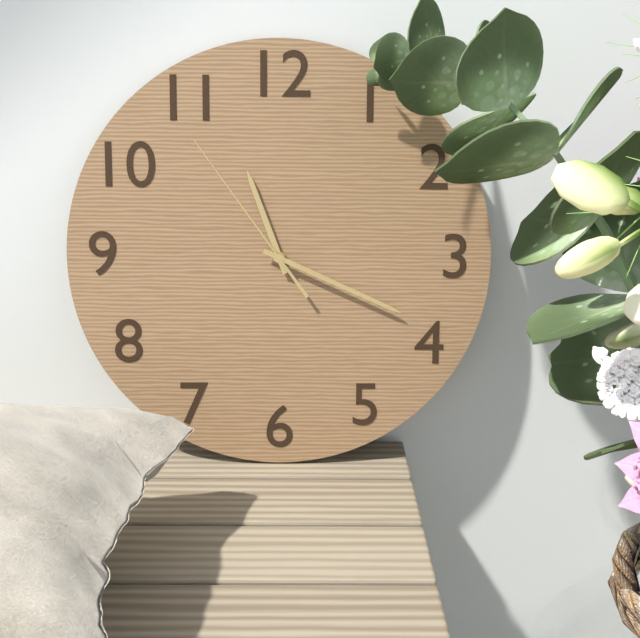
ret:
11.19.54
